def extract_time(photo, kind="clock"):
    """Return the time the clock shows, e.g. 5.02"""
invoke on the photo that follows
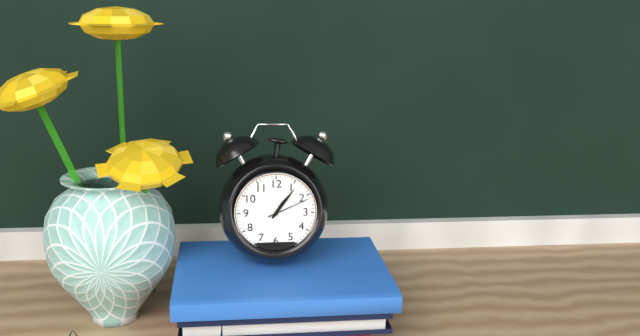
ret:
1.06
